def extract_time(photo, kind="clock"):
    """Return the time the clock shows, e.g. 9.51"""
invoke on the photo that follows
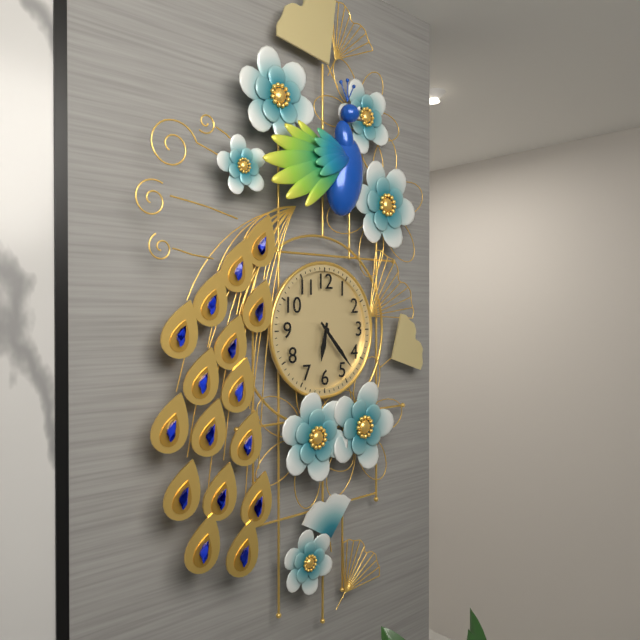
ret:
6.23
